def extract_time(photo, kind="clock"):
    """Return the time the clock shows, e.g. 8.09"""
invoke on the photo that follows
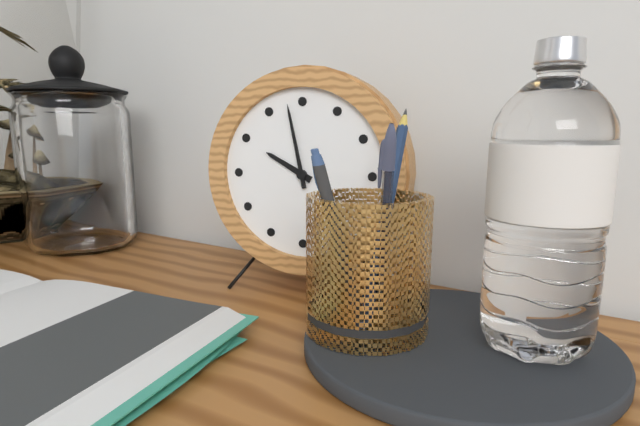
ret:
9.58
